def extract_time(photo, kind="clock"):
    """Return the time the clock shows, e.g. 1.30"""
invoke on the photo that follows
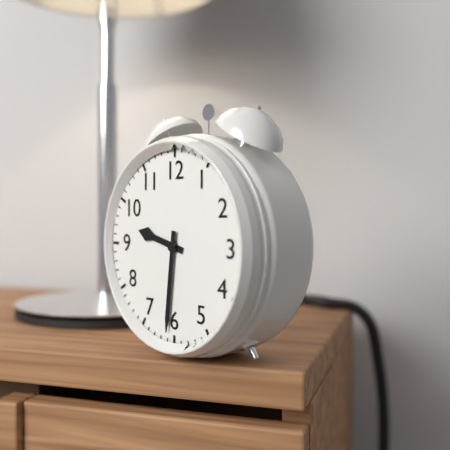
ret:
9.31
